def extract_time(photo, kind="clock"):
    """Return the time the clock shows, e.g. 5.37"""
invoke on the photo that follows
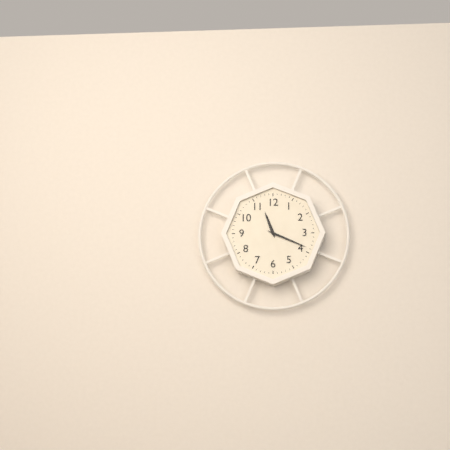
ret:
11.19
